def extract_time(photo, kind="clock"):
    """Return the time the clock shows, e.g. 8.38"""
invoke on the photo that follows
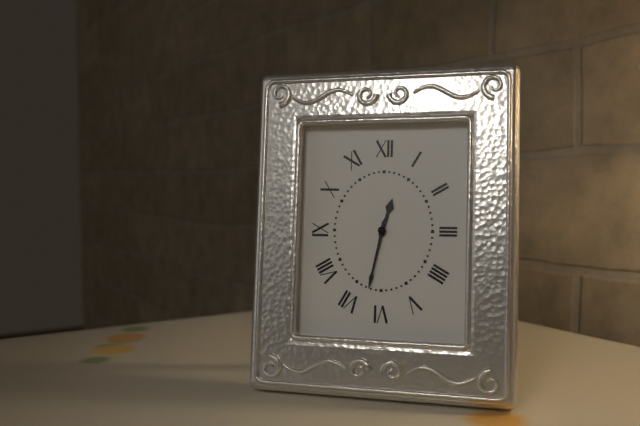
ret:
12.32
